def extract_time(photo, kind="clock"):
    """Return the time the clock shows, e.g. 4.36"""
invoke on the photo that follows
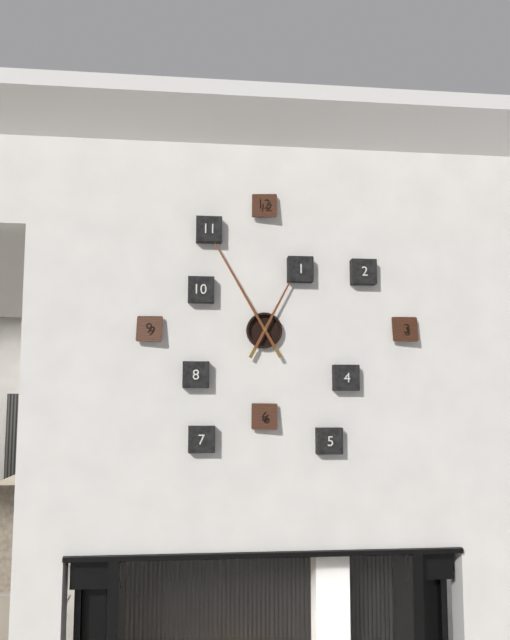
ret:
12.55
